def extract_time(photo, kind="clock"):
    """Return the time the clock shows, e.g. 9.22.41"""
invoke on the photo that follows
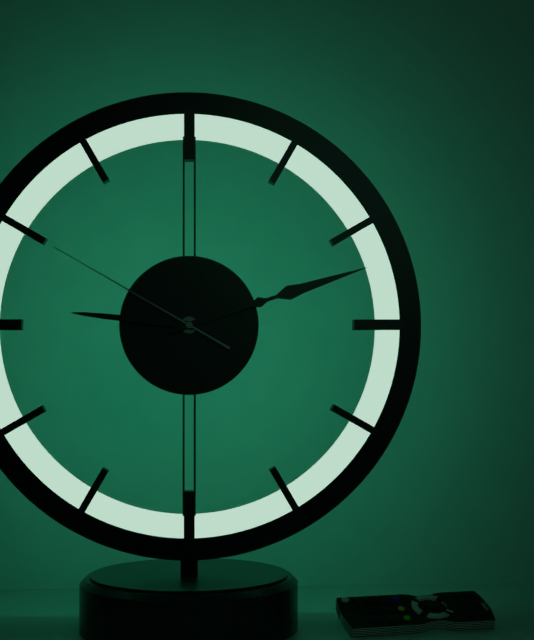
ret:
9.12.50
